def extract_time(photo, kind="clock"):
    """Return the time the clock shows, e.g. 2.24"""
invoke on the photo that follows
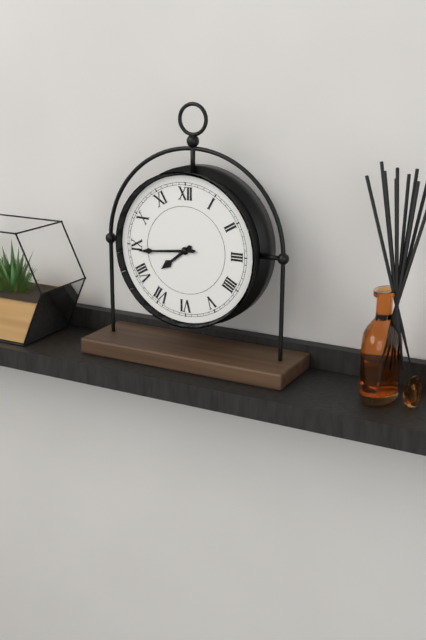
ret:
7.44
